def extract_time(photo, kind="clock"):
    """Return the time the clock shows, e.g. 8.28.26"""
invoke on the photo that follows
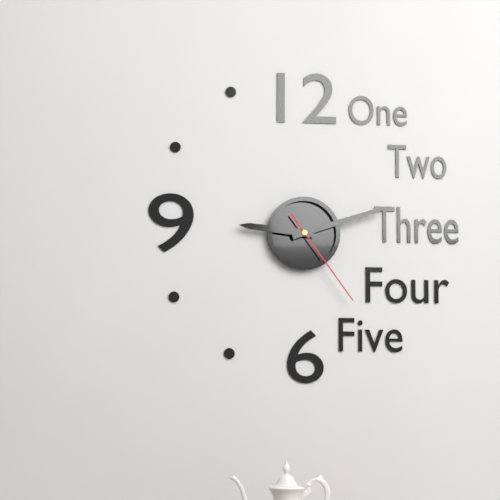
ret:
9.12.24
